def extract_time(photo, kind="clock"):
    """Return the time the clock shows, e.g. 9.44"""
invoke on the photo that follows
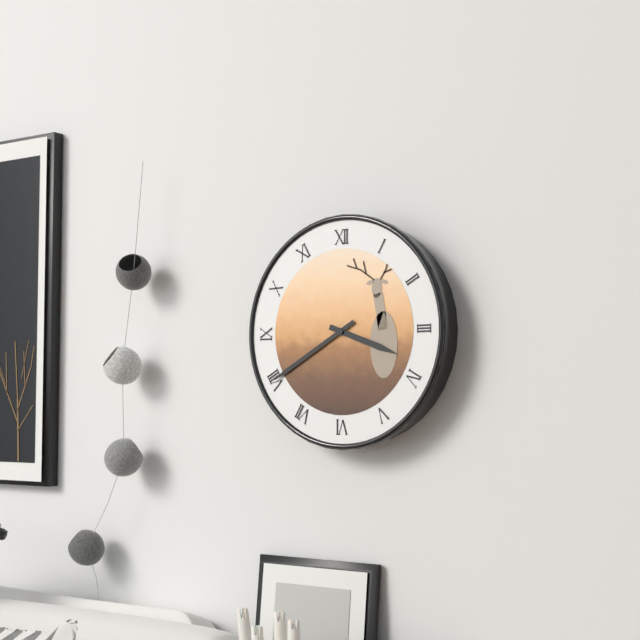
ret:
3.40
